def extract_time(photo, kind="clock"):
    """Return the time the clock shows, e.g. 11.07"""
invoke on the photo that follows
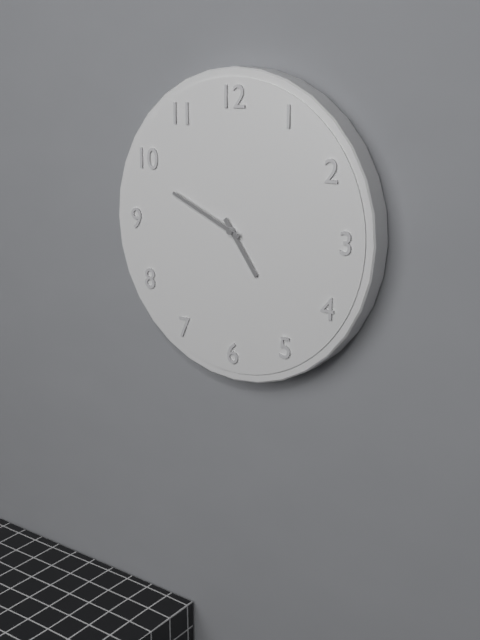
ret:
4.49
